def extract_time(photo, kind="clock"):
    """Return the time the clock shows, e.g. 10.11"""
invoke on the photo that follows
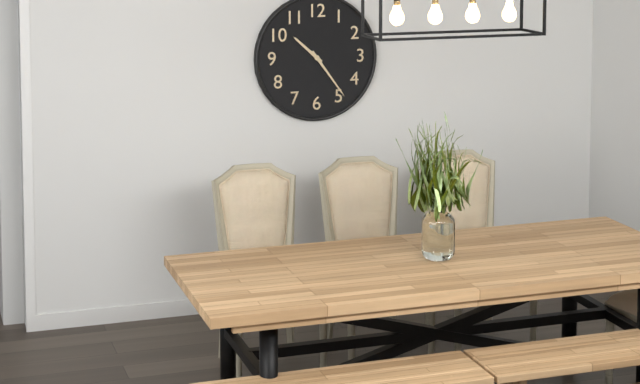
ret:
10.24
